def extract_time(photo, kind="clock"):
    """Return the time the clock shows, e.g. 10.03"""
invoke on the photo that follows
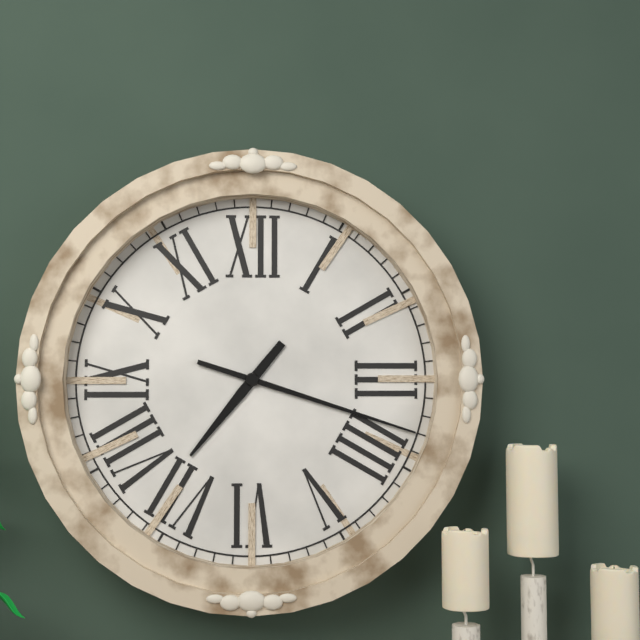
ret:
7.18
